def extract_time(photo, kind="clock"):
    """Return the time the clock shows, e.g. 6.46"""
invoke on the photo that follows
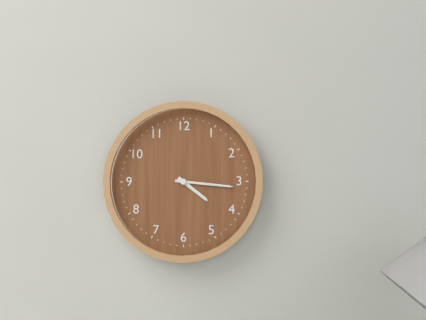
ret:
4.16
